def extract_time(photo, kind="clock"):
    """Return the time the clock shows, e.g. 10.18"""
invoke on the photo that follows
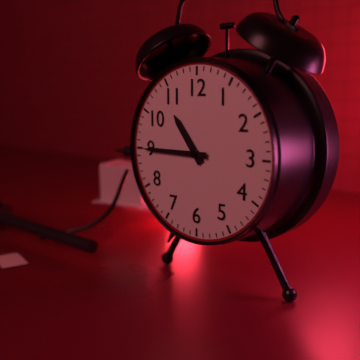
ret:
10.45
